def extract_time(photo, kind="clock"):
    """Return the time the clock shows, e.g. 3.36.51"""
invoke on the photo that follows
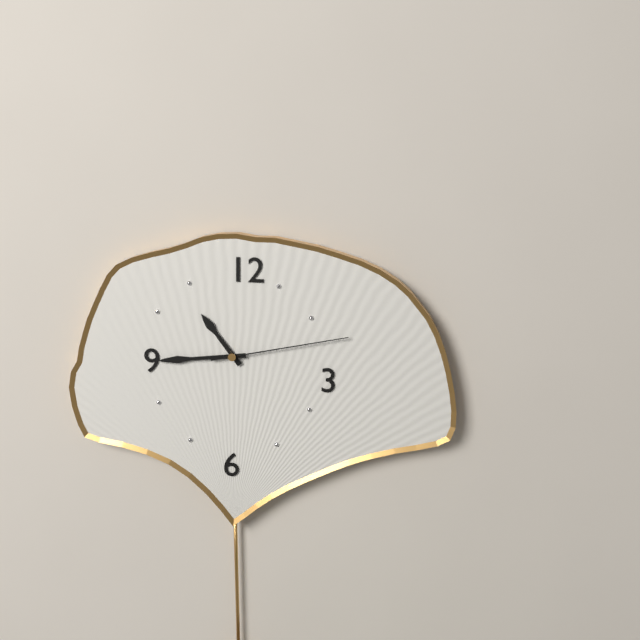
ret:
10.44.13
